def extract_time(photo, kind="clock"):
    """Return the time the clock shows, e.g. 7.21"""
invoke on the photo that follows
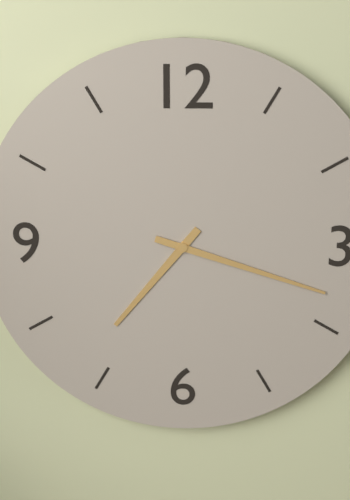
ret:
7.18
